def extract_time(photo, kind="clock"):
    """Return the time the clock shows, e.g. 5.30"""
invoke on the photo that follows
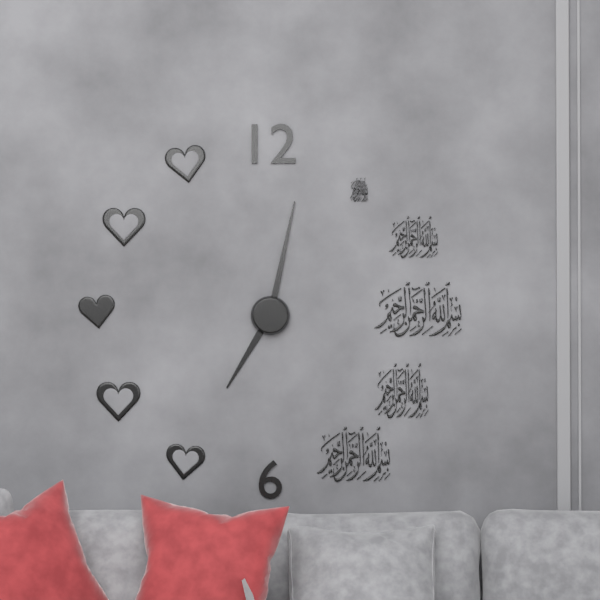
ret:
7.02
